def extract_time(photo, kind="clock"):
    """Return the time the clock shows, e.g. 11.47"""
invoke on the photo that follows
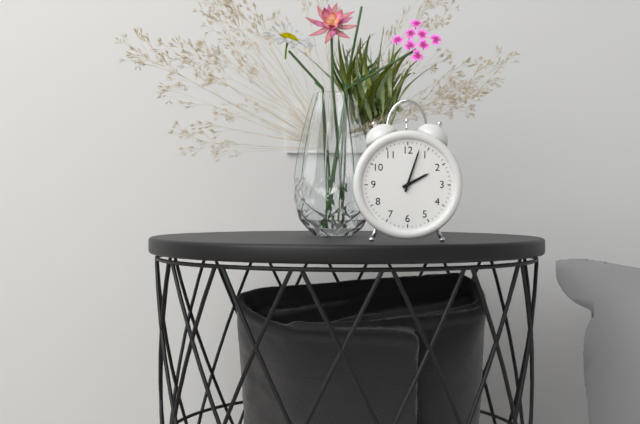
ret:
2.03
